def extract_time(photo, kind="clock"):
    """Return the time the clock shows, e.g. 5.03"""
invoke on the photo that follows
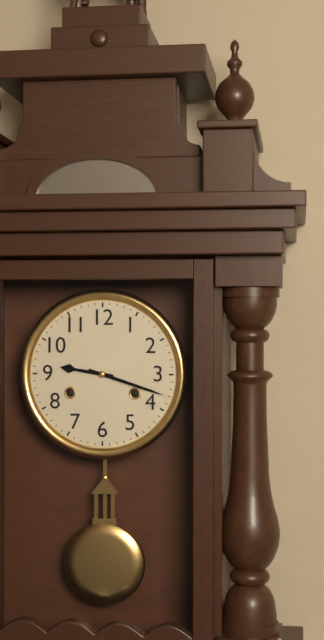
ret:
9.18
